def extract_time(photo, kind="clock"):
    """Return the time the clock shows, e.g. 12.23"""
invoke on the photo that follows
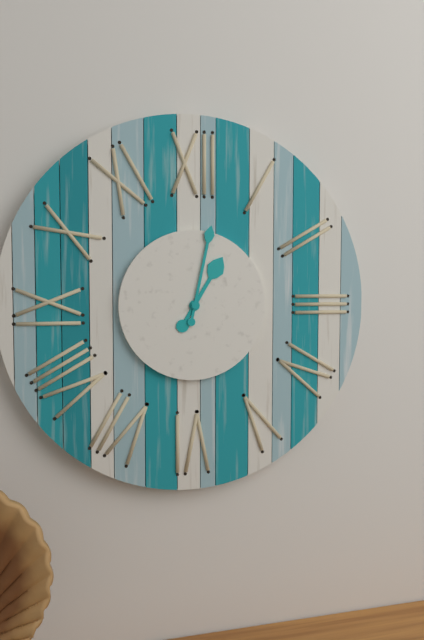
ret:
1.02
